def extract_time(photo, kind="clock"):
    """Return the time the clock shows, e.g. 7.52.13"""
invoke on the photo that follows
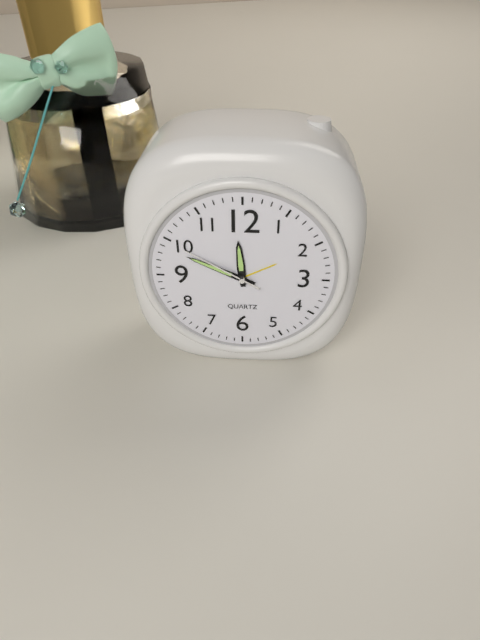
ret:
11.49.50
